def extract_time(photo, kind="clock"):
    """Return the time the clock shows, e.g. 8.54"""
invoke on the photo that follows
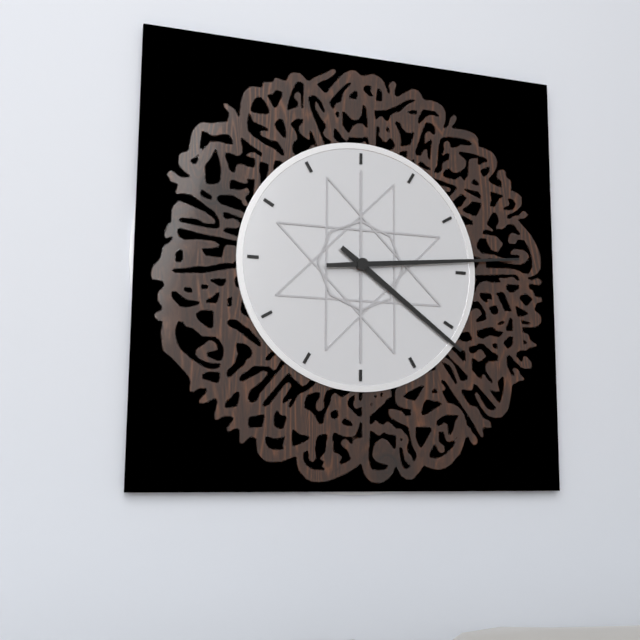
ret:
4.14
